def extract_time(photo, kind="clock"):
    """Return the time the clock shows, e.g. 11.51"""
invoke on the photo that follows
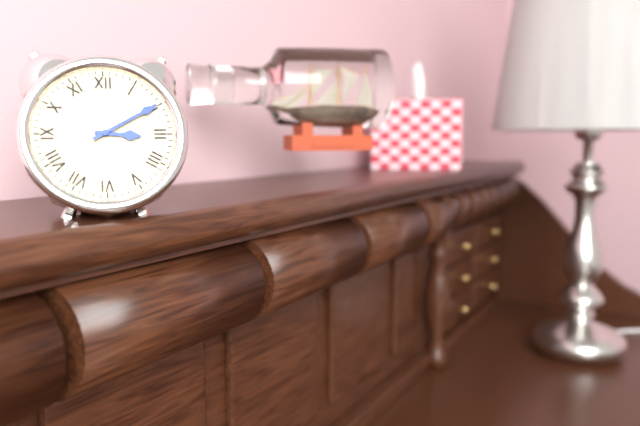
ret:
3.10
